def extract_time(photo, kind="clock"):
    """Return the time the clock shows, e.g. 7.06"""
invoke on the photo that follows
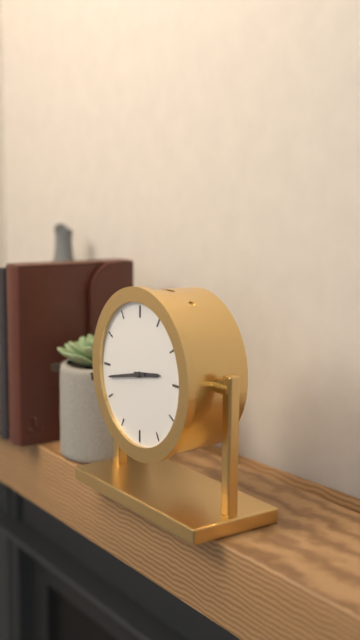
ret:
2.43
